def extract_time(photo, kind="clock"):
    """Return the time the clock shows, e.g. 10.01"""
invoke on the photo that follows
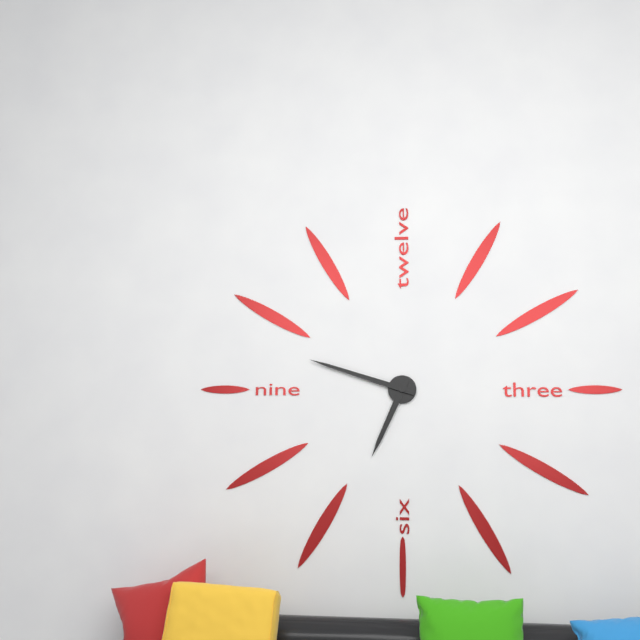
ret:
6.48
